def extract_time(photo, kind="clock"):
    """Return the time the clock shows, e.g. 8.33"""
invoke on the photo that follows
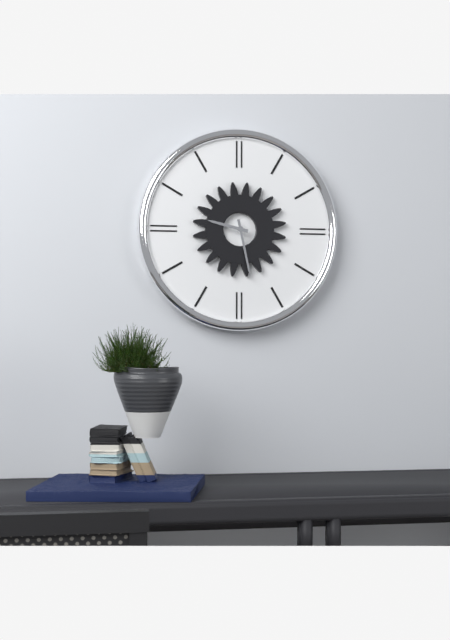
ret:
9.28
